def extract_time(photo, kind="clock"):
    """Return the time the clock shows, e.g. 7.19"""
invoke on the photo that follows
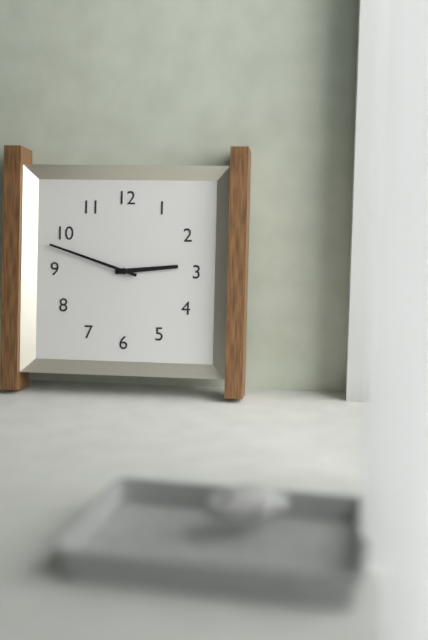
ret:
2.48
